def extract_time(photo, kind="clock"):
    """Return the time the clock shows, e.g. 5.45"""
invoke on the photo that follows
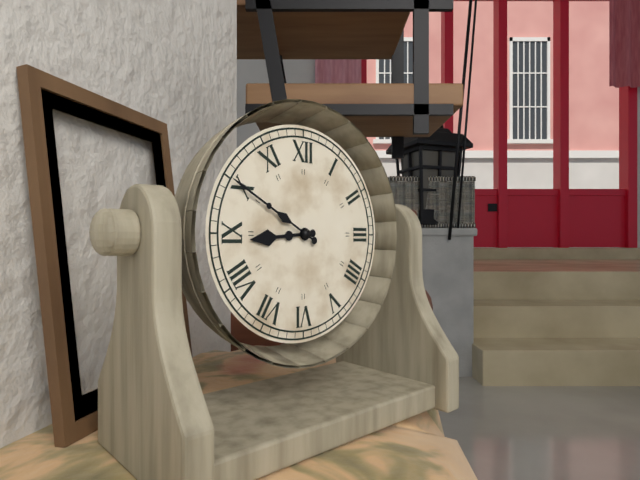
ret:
8.50
